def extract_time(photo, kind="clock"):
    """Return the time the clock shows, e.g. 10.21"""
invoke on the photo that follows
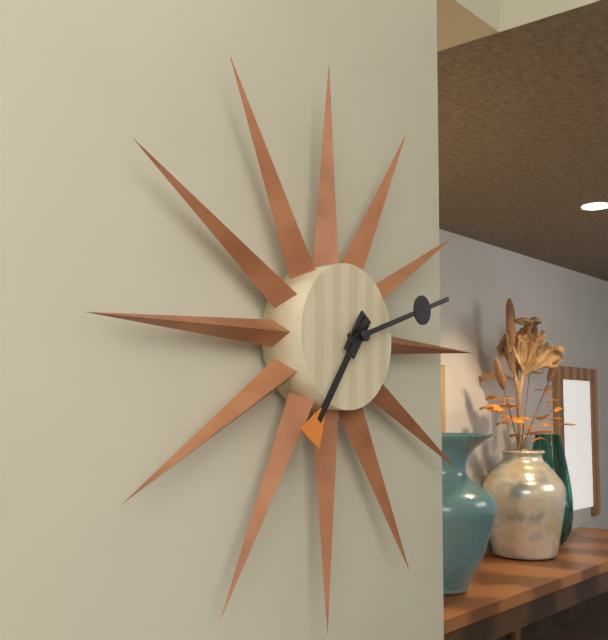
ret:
7.12
